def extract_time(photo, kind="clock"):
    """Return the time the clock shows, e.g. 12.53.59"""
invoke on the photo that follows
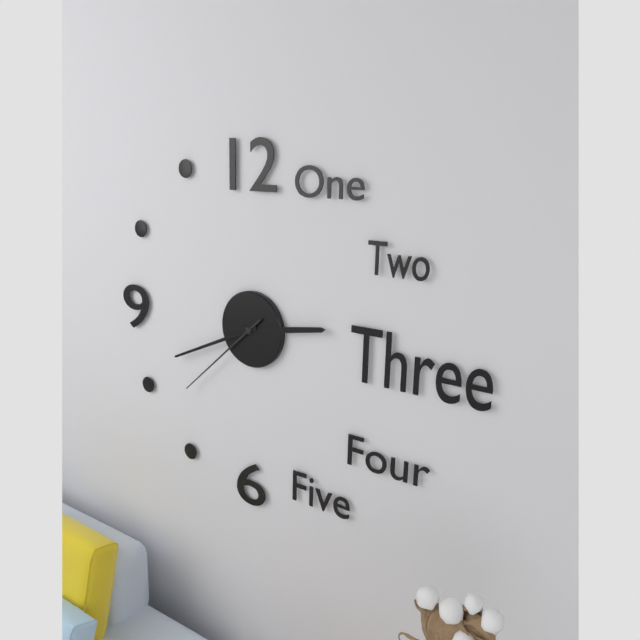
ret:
2.41.38
